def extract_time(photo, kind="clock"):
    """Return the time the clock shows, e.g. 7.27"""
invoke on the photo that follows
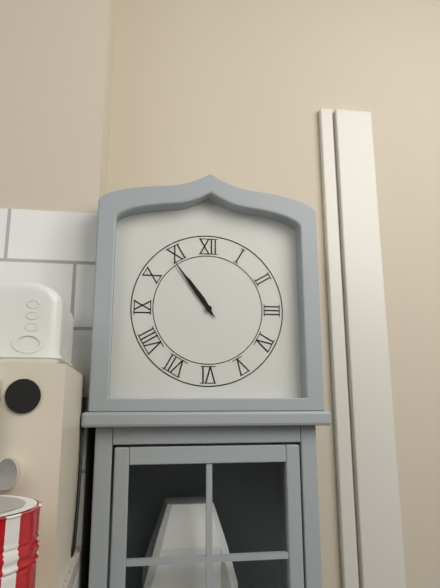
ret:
10.54
